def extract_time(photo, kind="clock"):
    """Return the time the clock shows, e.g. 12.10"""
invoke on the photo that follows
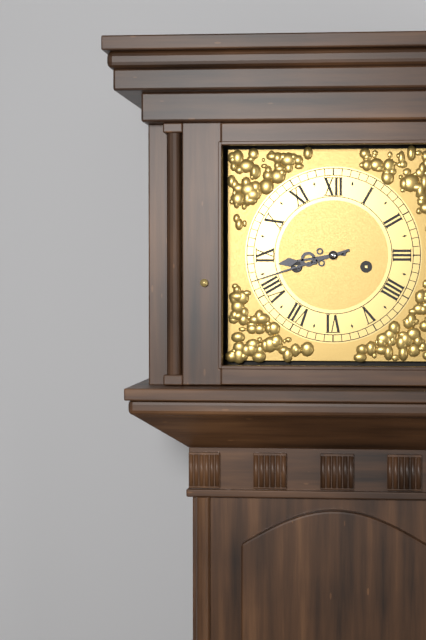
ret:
8.42
